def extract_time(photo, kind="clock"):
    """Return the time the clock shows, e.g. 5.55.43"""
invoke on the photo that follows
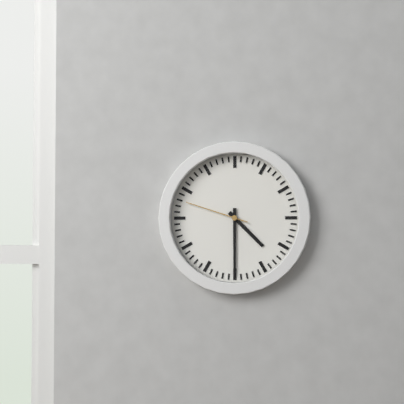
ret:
4.30.48
